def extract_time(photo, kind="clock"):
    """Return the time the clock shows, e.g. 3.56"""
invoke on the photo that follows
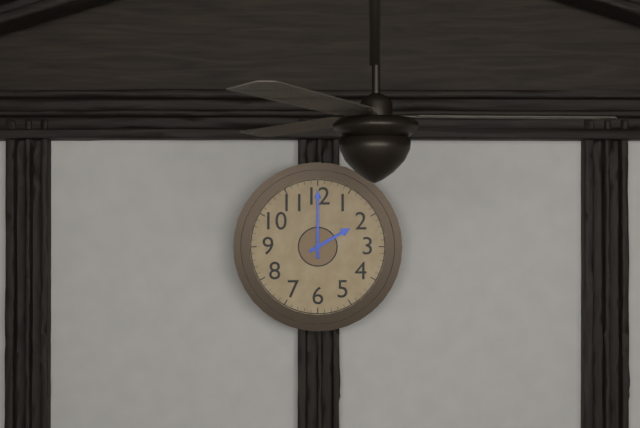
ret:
2.00
